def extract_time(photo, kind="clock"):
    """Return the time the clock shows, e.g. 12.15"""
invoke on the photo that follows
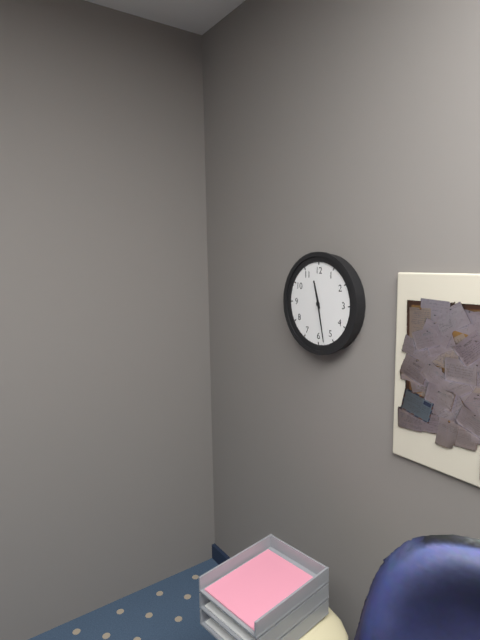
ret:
11.28
